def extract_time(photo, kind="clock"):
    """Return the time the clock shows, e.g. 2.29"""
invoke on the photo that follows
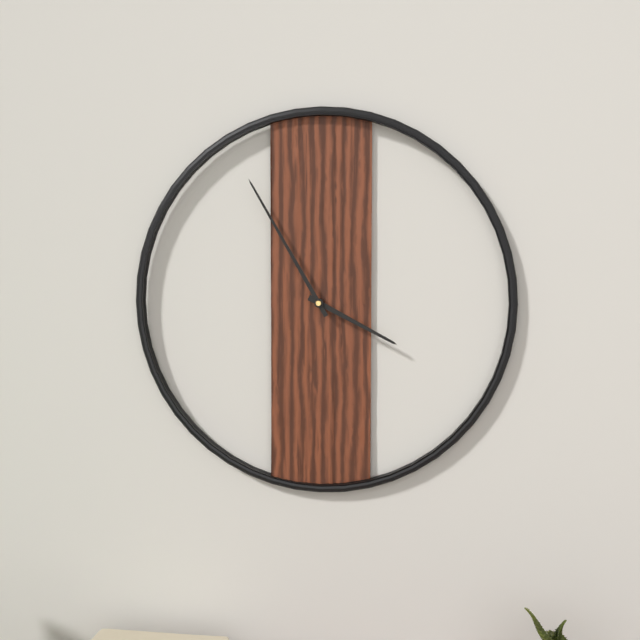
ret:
3.55
